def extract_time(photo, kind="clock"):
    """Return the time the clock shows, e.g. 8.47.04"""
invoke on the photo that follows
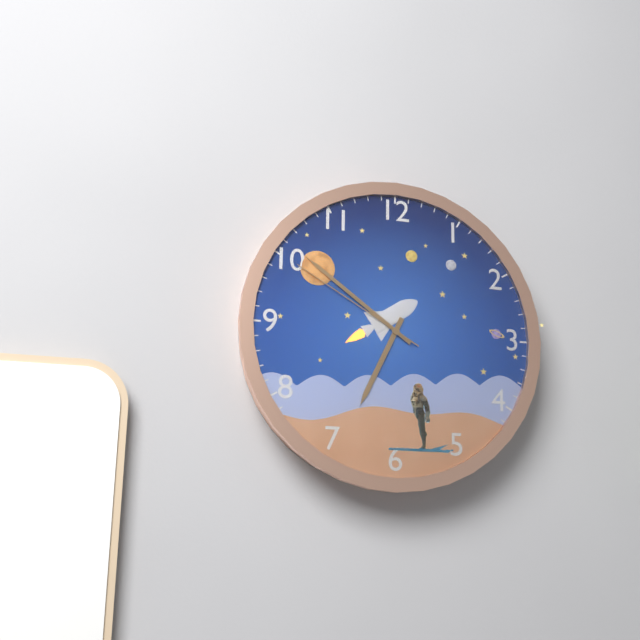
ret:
6.51.50
